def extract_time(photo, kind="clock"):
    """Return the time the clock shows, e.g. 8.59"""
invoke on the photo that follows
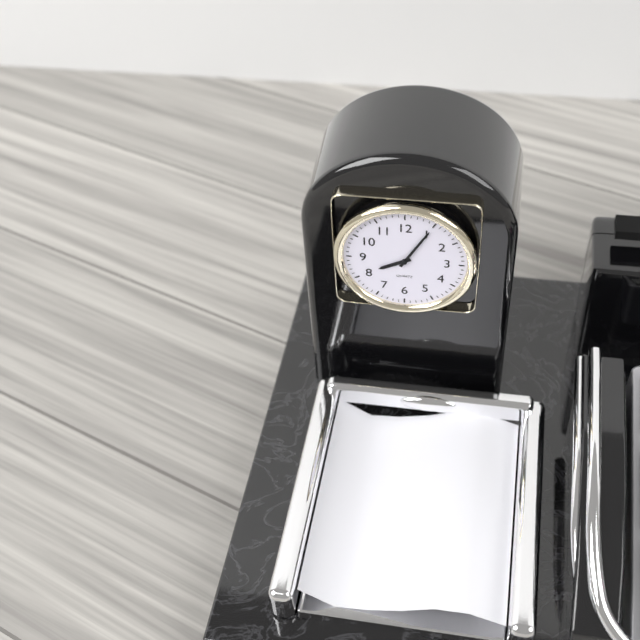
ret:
8.05
